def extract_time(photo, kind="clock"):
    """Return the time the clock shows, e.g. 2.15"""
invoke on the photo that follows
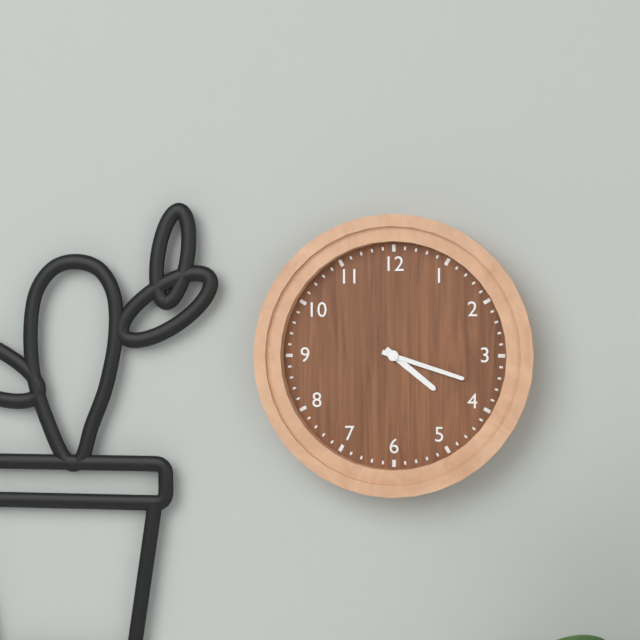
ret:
4.18
